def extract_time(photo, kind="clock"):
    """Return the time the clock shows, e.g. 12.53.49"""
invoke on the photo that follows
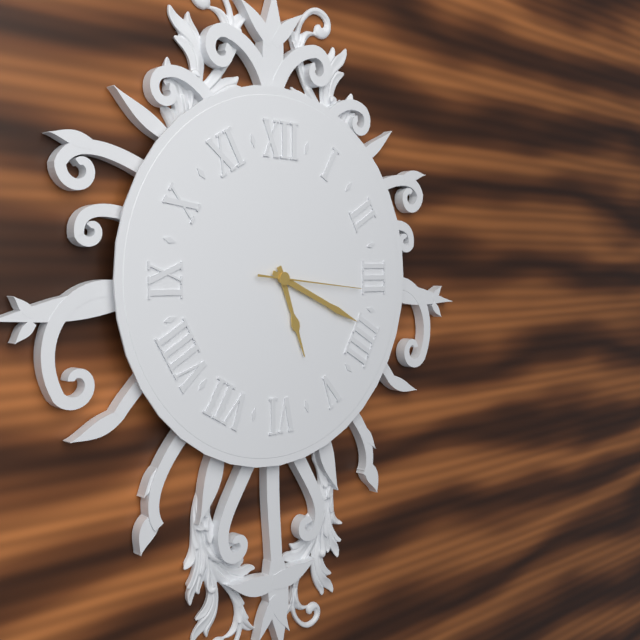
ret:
5.19.16
